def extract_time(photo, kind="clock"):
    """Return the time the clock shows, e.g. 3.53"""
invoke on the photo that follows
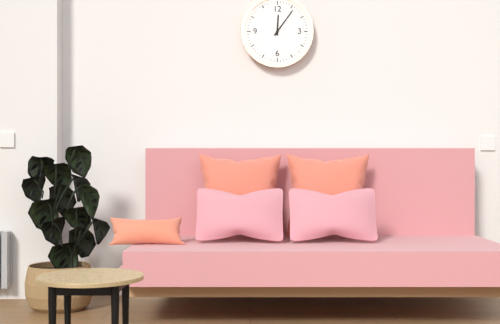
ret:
12.06
